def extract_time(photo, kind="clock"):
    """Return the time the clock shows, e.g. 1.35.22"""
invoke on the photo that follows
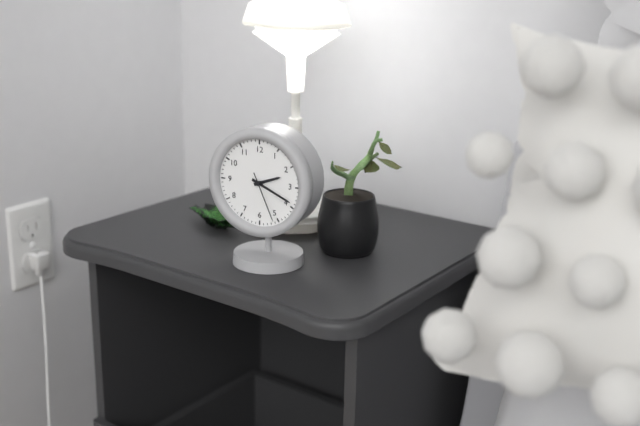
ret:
2.19.26
